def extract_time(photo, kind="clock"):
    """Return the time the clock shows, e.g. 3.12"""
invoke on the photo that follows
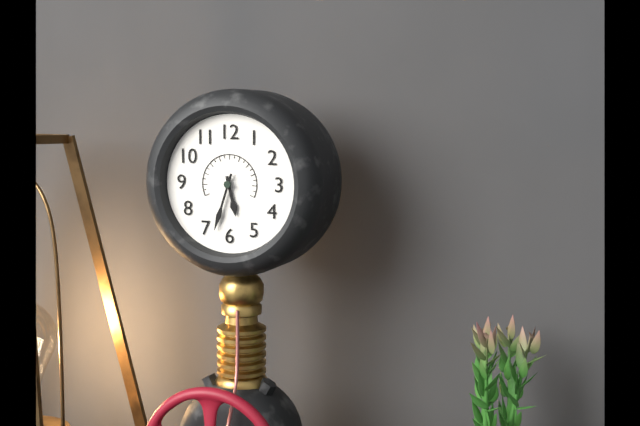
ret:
5.33
